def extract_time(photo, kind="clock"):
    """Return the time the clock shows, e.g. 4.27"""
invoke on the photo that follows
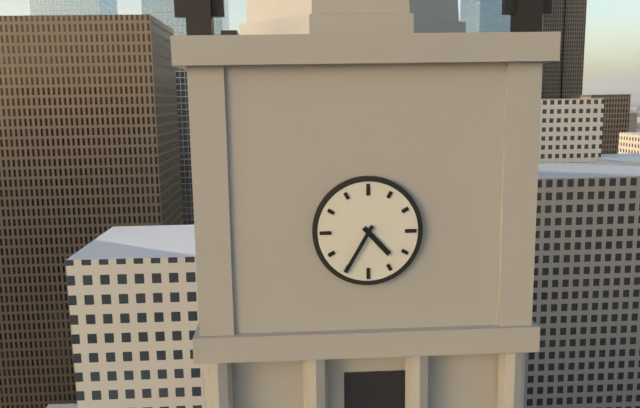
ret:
4.35
